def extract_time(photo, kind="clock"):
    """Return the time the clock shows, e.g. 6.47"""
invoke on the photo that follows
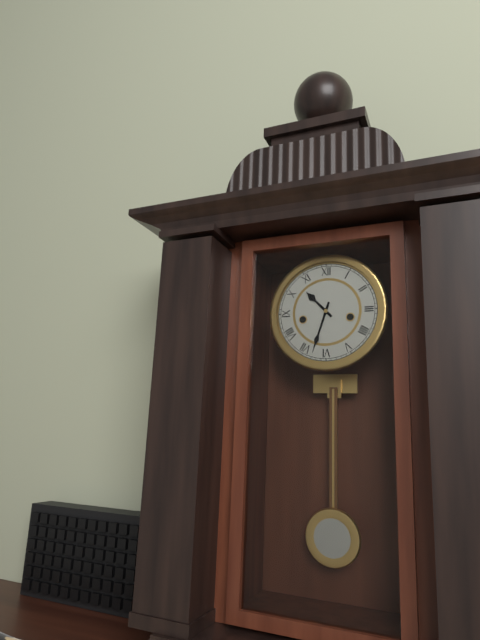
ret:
10.33
